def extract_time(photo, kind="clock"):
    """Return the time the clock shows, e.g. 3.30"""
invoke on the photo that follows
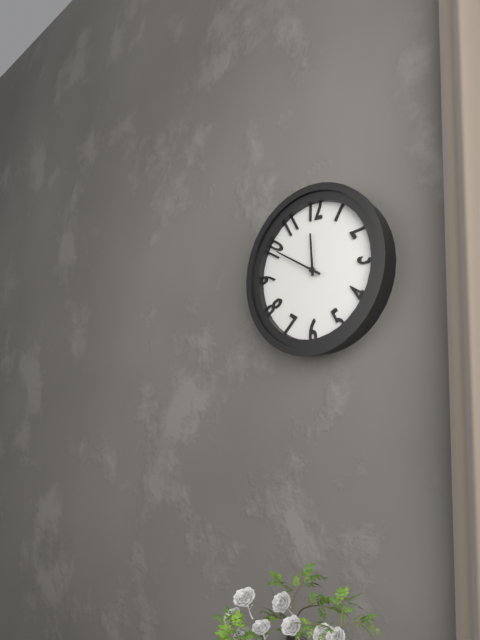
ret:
11.50
